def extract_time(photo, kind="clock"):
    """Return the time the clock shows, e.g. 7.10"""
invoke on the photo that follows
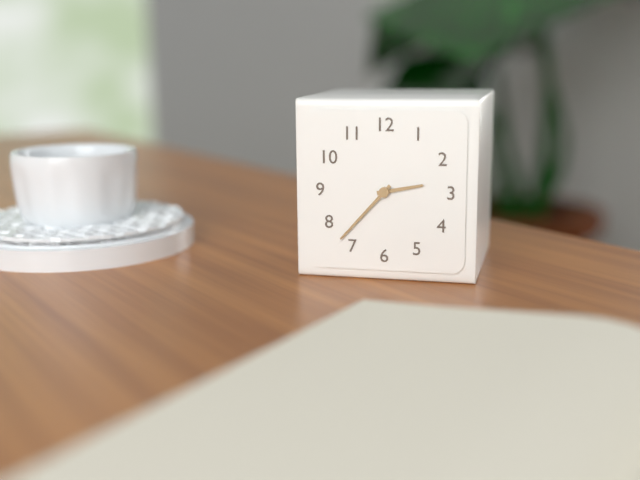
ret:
2.37
